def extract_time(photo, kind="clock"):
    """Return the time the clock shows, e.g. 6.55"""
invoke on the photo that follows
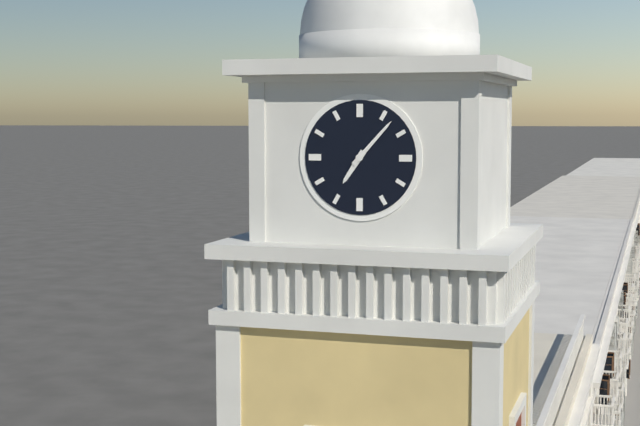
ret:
7.07
